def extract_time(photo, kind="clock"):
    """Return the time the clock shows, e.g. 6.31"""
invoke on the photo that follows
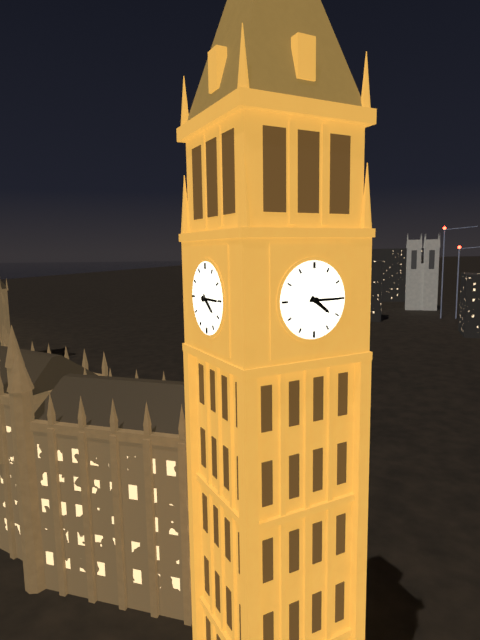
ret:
4.15
